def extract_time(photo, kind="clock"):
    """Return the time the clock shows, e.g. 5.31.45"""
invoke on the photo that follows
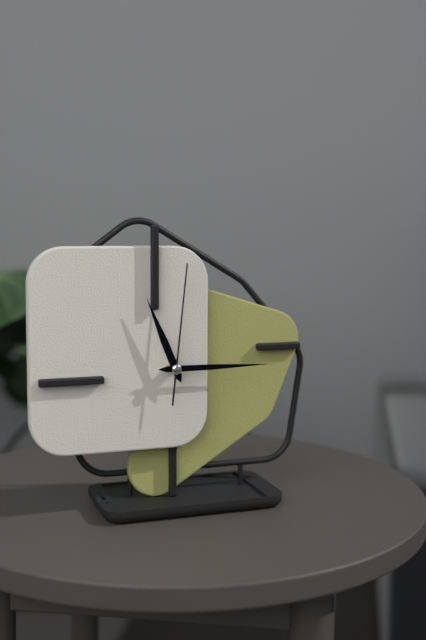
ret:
11.15.01
